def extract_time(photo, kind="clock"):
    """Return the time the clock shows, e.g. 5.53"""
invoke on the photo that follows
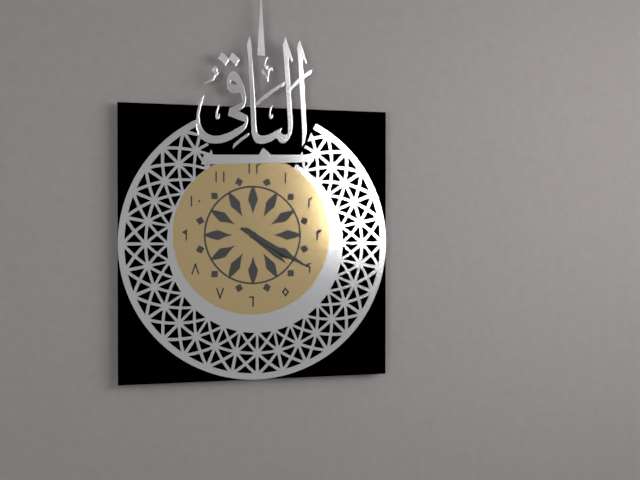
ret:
4.20
